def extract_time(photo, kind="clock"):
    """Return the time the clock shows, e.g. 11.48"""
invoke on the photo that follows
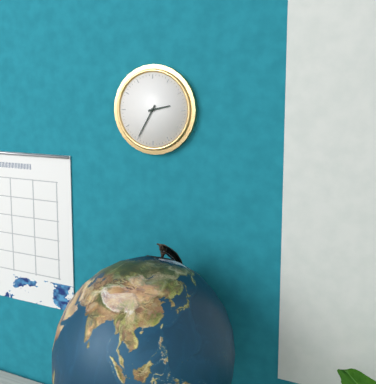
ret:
2.35
